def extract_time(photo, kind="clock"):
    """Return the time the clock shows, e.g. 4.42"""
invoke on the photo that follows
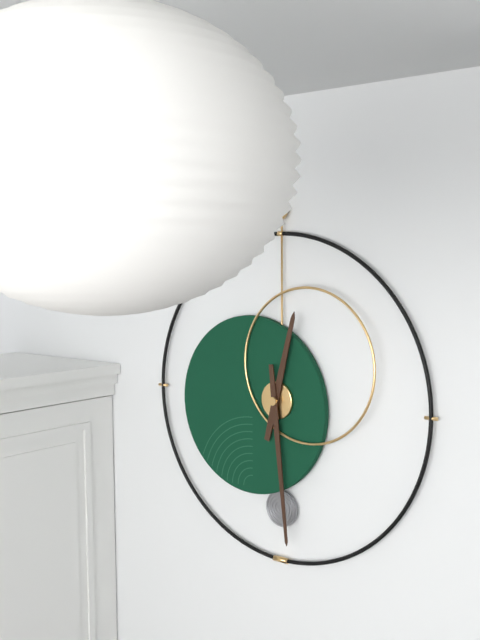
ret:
12.29
